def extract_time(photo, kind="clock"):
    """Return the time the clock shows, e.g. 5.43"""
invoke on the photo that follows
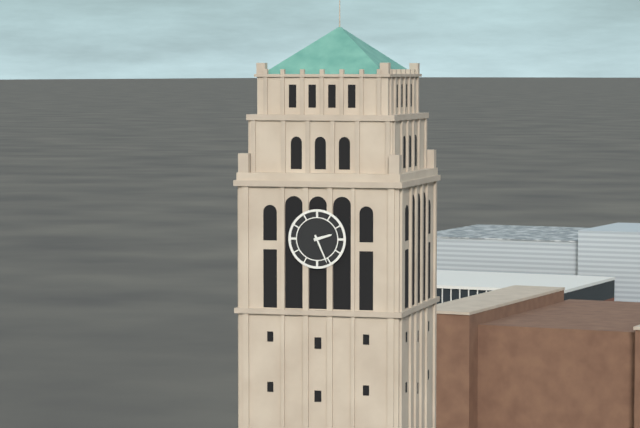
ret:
2.26
